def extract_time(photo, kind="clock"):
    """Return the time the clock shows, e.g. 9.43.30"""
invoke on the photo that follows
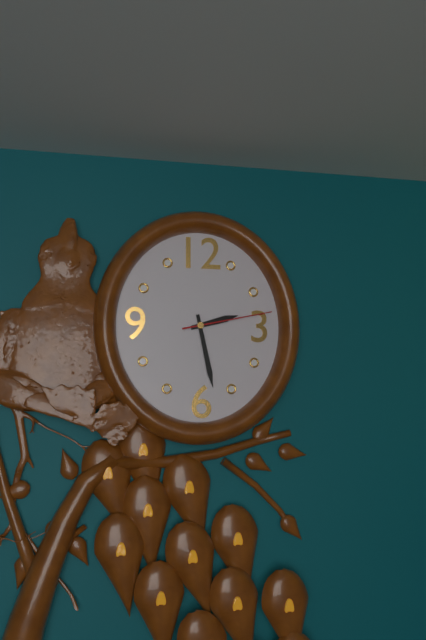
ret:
2.28.13
